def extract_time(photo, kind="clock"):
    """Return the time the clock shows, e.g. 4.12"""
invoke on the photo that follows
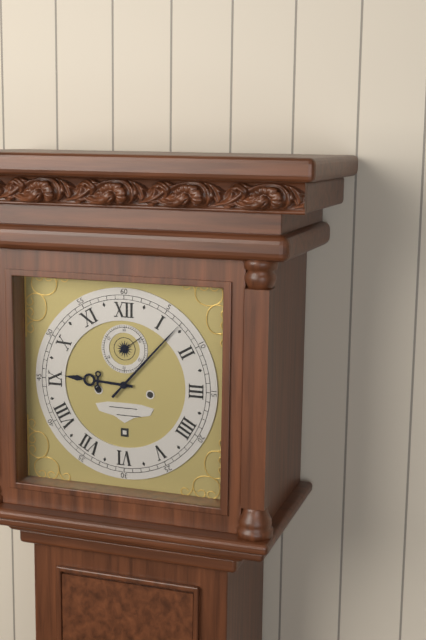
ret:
9.07
